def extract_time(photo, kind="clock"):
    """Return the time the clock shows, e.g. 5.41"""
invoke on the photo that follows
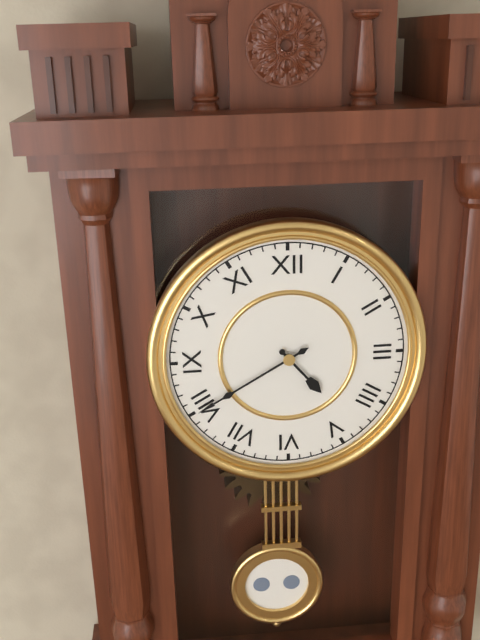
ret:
4.40
